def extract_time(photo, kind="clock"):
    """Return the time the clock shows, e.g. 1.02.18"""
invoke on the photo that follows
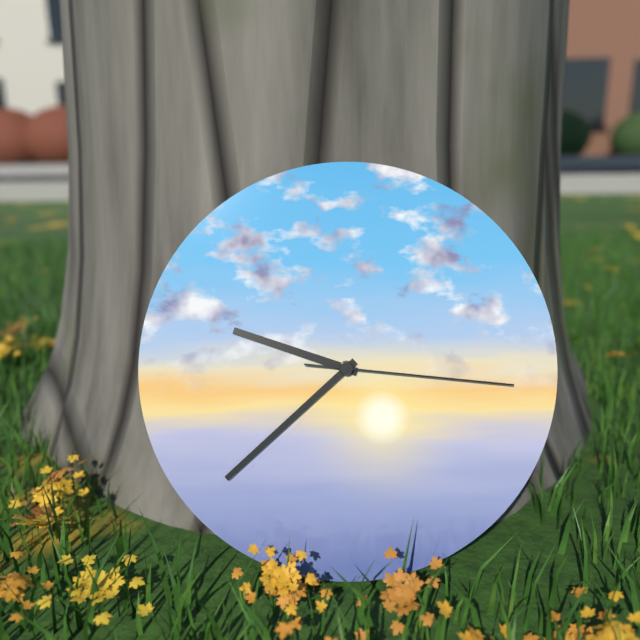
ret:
9.38.16
